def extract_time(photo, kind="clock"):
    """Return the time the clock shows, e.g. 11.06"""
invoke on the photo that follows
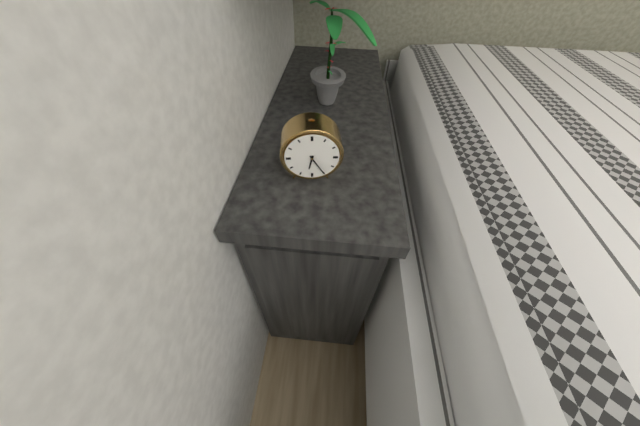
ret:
6.25
